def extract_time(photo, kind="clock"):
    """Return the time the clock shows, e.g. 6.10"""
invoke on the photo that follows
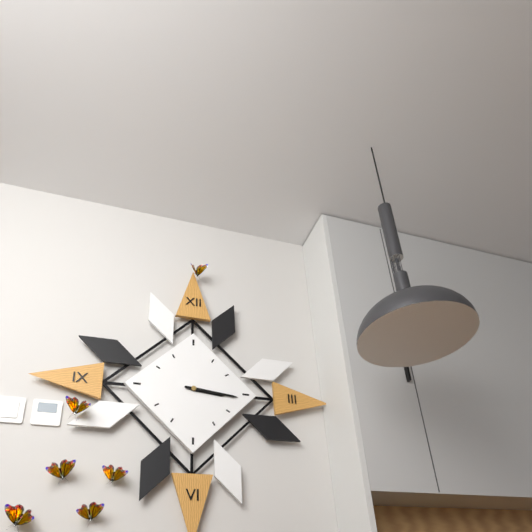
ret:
3.16
